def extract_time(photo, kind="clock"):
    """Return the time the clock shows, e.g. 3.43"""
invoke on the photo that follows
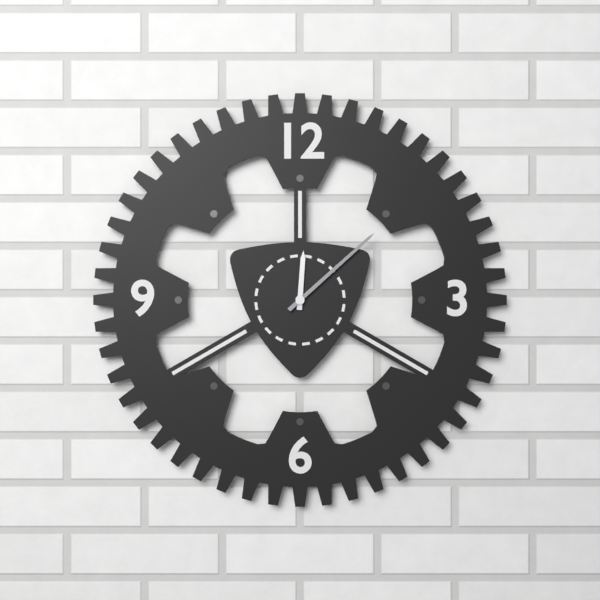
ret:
12.08
